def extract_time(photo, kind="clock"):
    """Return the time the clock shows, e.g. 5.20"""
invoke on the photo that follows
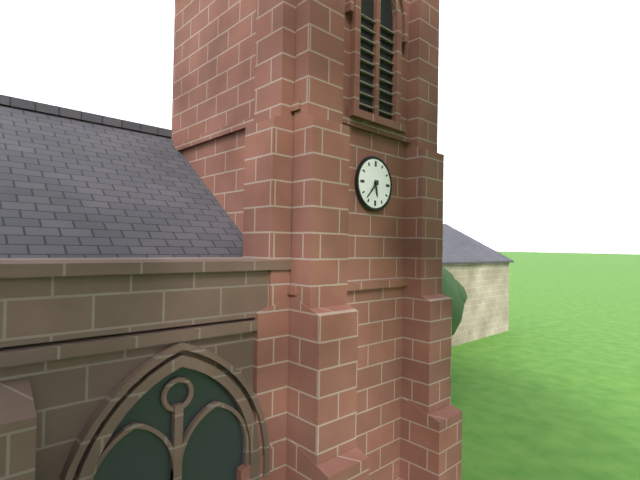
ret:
5.37
